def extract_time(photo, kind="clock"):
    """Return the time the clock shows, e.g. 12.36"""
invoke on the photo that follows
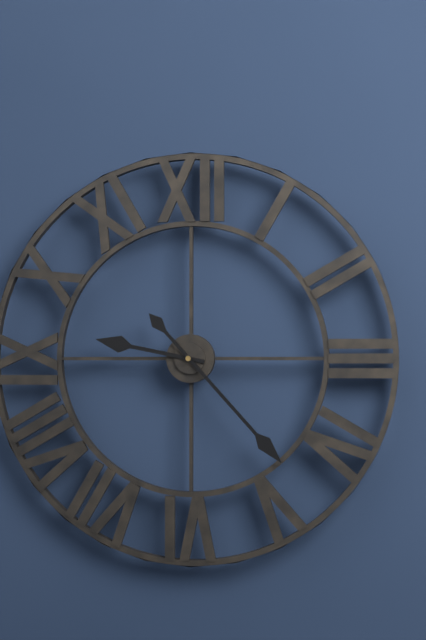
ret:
9.23
